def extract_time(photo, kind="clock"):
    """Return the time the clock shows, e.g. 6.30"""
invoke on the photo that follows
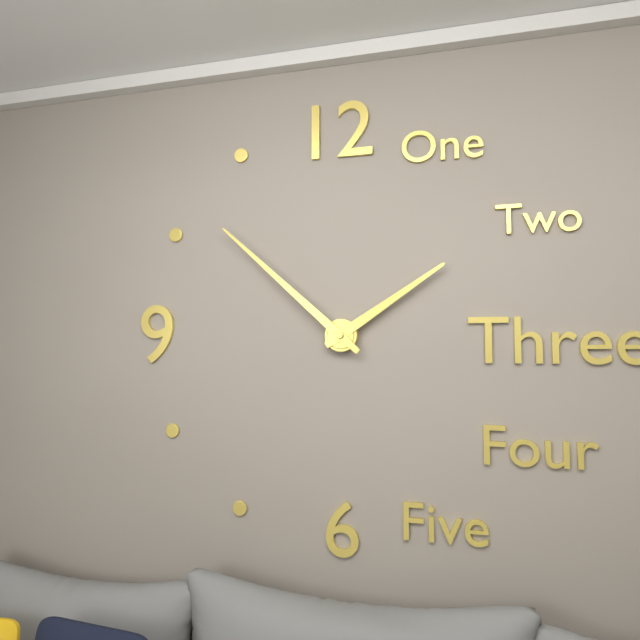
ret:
1.52
